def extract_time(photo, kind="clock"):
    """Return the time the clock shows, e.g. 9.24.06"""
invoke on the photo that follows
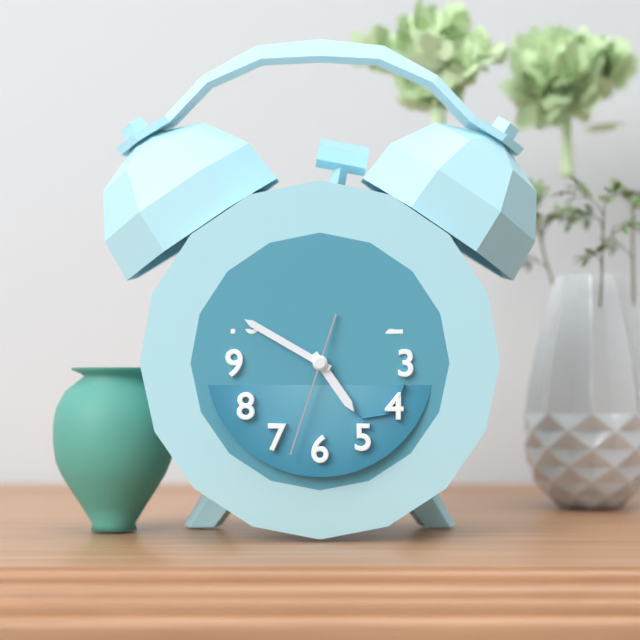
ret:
4.50.33
